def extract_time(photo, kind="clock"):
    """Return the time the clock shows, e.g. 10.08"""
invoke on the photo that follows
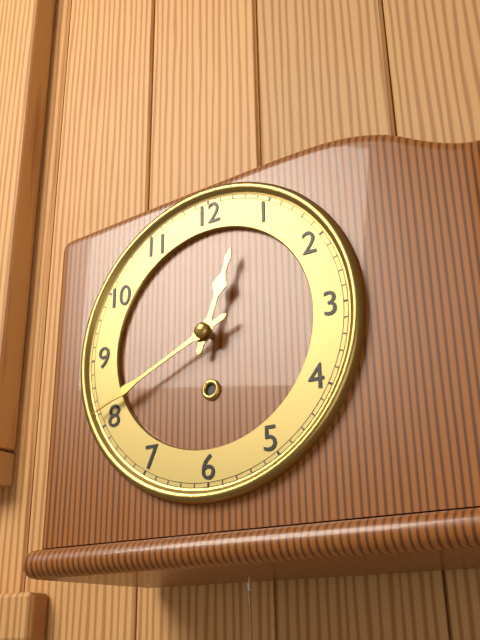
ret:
12.41
